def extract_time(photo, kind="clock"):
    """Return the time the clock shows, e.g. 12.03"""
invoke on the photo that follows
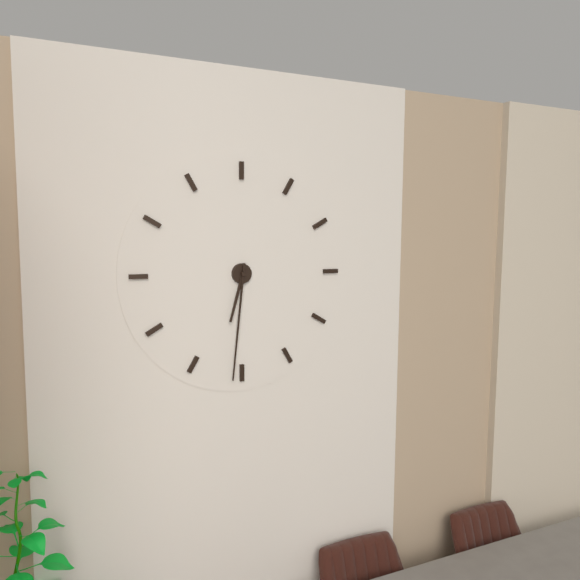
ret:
6.31
